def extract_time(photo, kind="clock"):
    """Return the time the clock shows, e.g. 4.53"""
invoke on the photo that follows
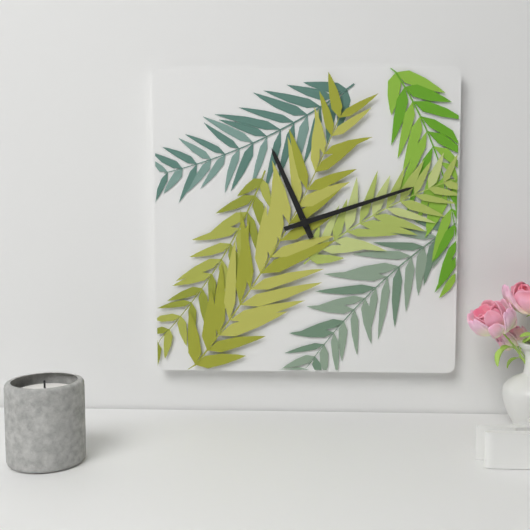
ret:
11.12
